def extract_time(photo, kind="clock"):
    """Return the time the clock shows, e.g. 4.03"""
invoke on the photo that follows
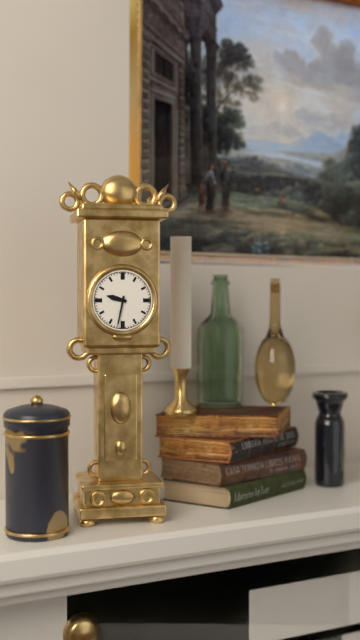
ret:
9.32
